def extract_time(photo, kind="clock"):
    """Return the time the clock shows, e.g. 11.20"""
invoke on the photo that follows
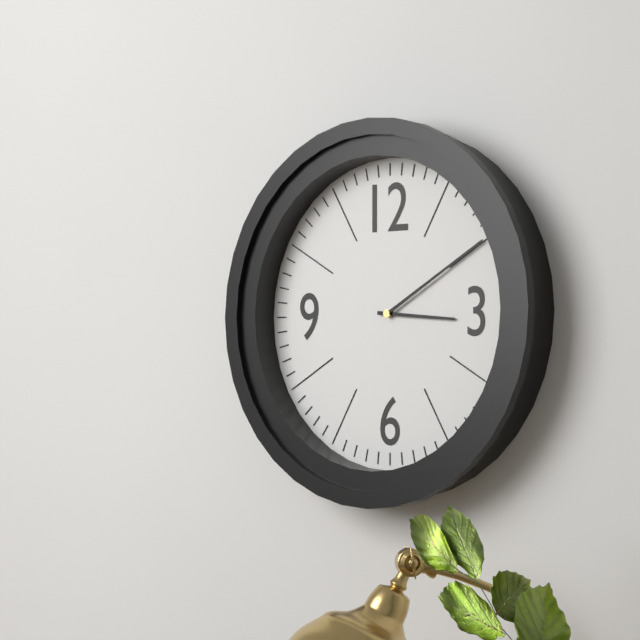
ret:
3.10
